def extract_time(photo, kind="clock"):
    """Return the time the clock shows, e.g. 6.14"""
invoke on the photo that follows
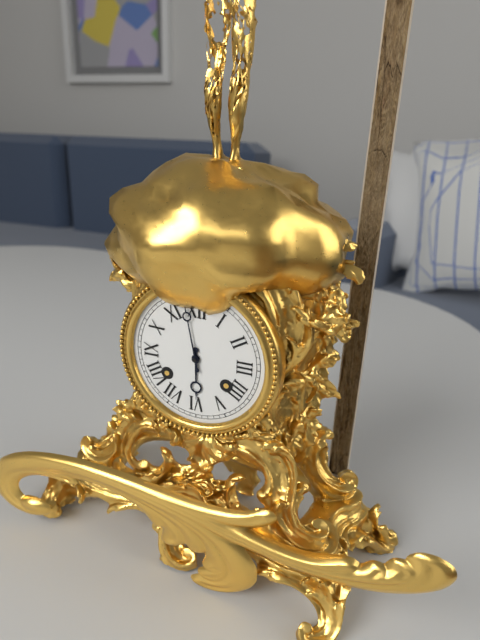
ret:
5.58
